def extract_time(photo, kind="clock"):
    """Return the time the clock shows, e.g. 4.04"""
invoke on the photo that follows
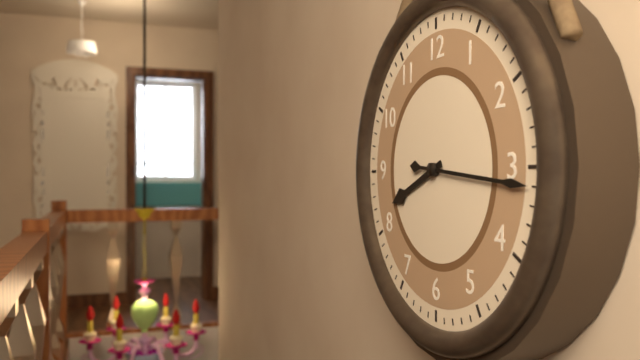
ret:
8.16
